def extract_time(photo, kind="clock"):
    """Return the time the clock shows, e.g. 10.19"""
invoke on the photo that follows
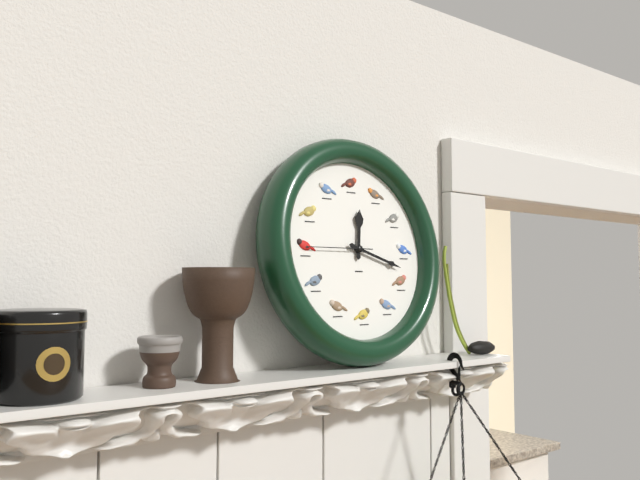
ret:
12.18
